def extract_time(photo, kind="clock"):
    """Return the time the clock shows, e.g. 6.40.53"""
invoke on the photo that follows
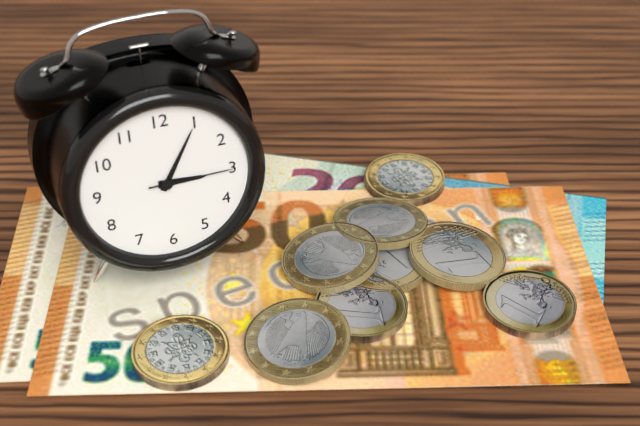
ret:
3.05.15
